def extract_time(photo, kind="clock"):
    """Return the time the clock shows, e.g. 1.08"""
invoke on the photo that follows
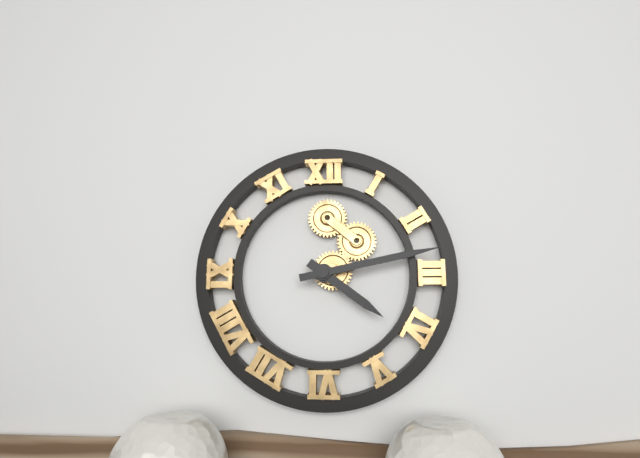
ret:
4.13
